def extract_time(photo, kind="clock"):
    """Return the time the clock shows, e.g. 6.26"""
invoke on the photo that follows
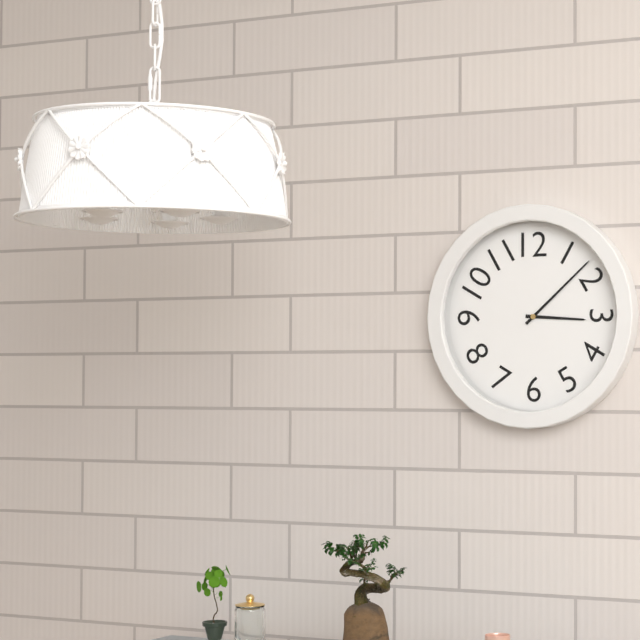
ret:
3.08
